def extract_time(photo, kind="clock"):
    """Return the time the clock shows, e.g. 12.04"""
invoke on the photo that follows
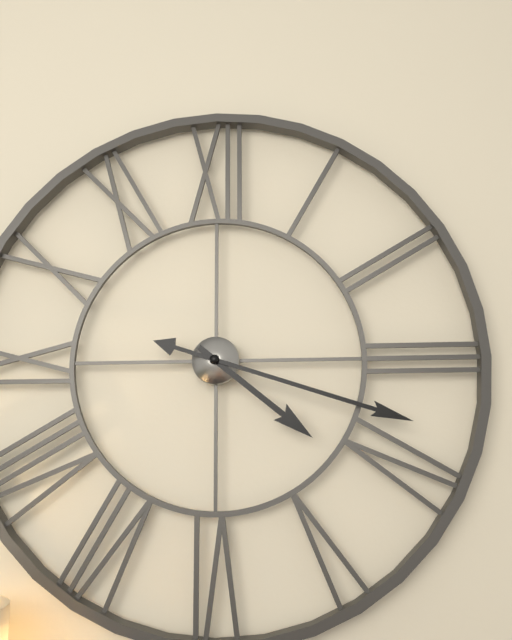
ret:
4.18
